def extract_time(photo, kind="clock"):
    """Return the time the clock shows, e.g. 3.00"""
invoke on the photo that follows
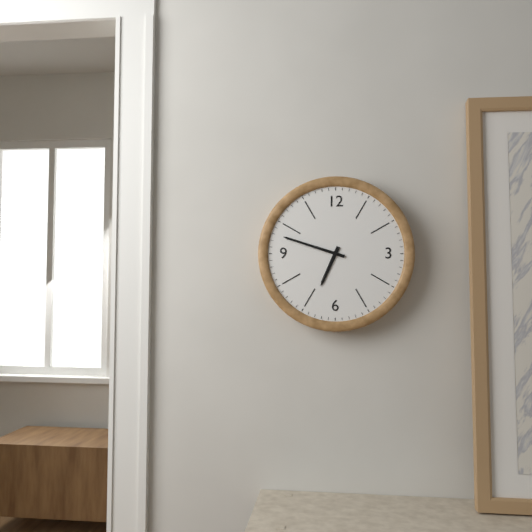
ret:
6.48
